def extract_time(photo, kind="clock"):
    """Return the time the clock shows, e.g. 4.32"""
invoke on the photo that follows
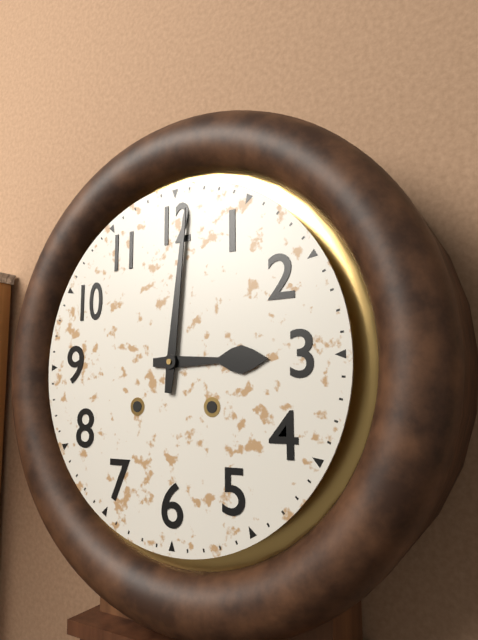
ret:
3.01
